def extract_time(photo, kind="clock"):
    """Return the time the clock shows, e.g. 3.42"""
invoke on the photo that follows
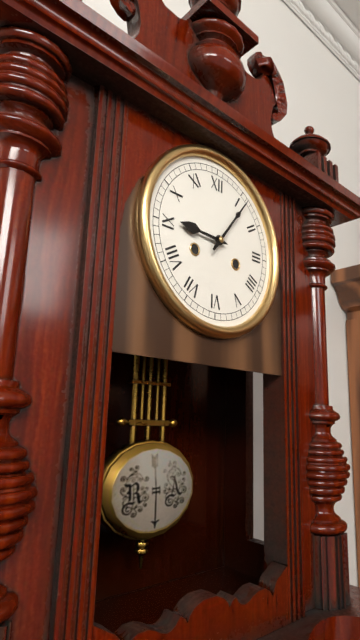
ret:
9.06
